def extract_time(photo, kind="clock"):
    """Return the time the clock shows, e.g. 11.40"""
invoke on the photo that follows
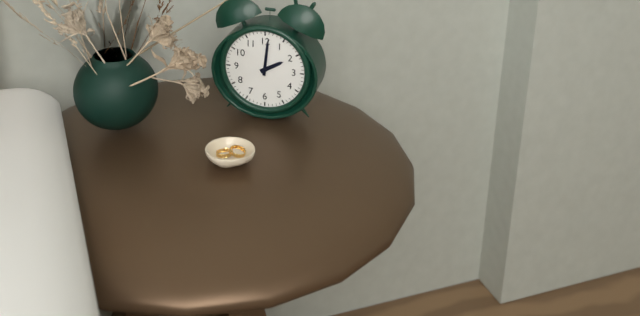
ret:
2.01
